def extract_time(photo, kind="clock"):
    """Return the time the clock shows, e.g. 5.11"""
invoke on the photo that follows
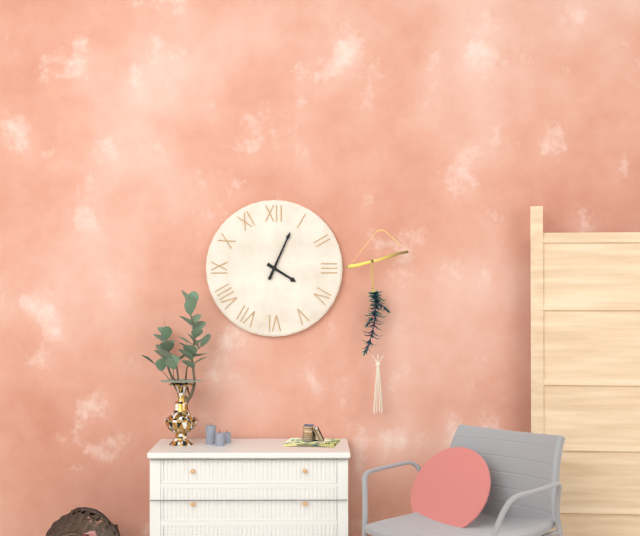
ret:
4.04
